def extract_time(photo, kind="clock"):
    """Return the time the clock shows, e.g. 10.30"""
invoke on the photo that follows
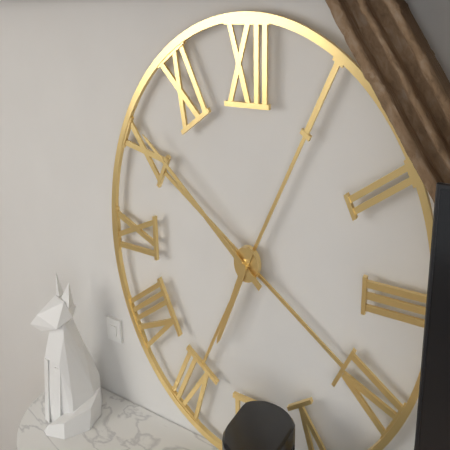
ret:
6.51
